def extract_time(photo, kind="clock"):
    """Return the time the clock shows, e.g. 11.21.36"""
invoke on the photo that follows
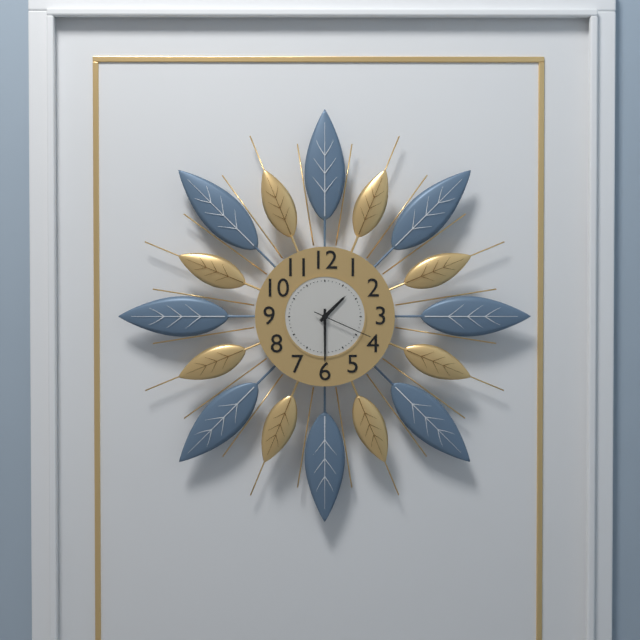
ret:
1.30.19
